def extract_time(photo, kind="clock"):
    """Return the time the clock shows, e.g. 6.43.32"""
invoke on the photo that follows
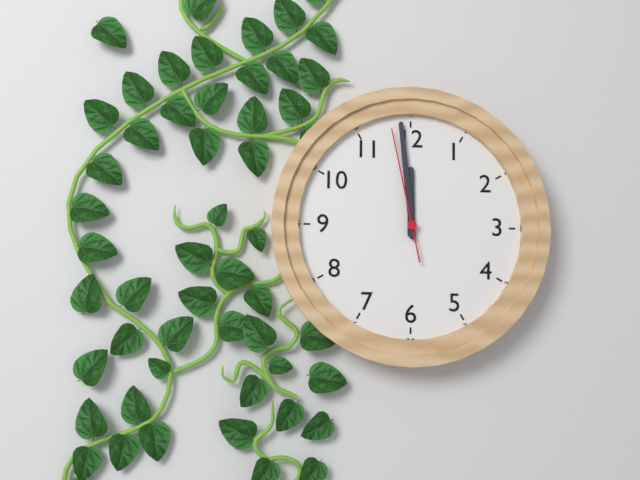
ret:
11.59.58
